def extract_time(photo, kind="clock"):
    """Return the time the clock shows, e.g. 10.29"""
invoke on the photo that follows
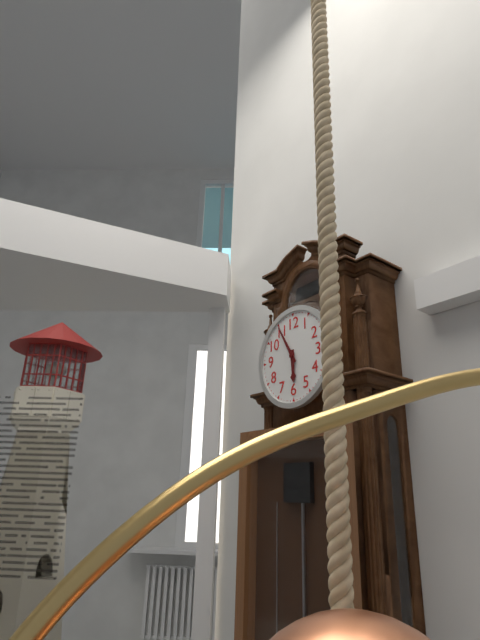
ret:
5.55
